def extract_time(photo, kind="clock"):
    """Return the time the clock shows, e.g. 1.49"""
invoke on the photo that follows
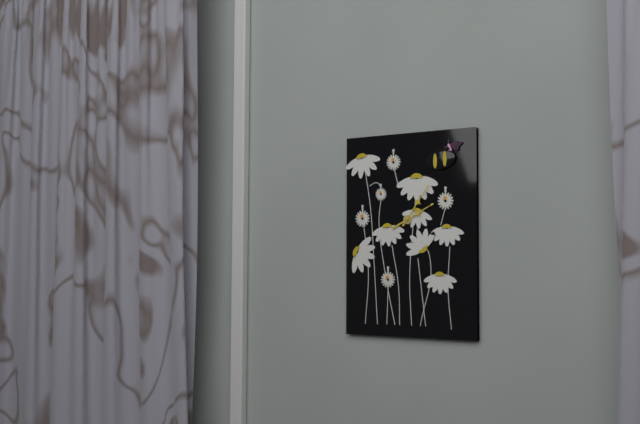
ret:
2.06
